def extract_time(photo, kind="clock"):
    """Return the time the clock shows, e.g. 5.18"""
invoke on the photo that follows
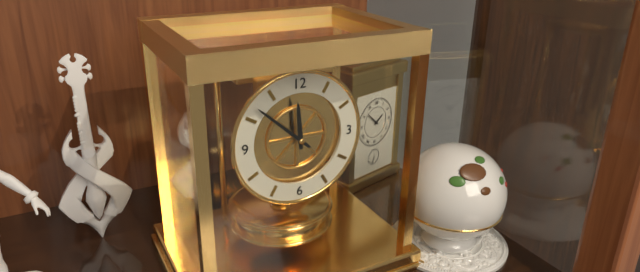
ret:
11.52
